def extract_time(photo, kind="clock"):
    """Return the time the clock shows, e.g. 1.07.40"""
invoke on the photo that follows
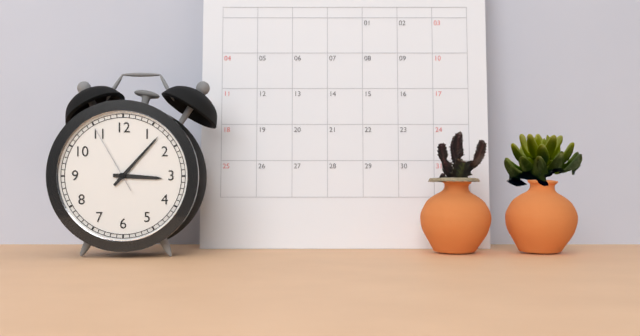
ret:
3.07.55
